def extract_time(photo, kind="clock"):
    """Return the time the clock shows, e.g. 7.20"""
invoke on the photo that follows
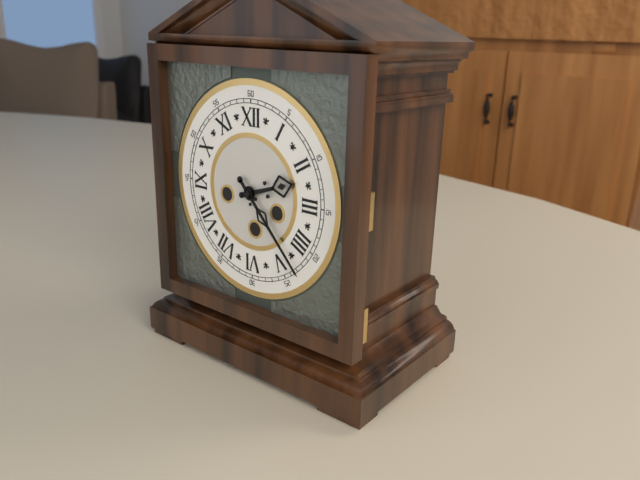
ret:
2.23
